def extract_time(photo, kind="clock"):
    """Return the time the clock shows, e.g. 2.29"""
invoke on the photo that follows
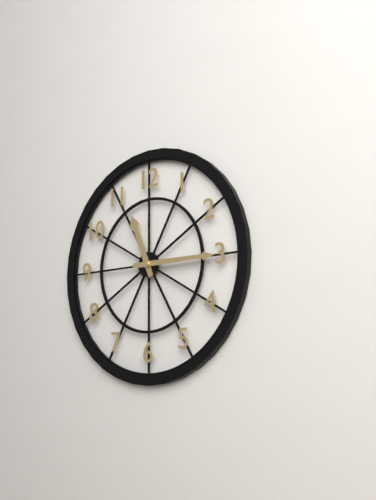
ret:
11.15
